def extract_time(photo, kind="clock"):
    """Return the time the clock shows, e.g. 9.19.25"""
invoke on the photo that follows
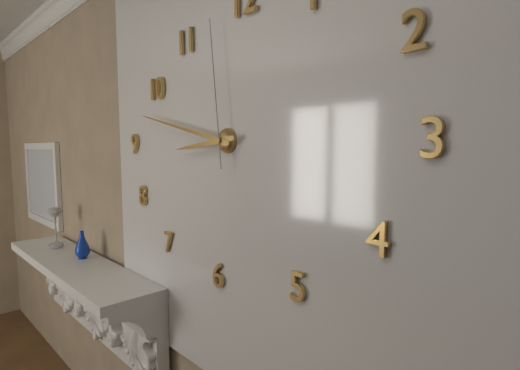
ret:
8.47.59
